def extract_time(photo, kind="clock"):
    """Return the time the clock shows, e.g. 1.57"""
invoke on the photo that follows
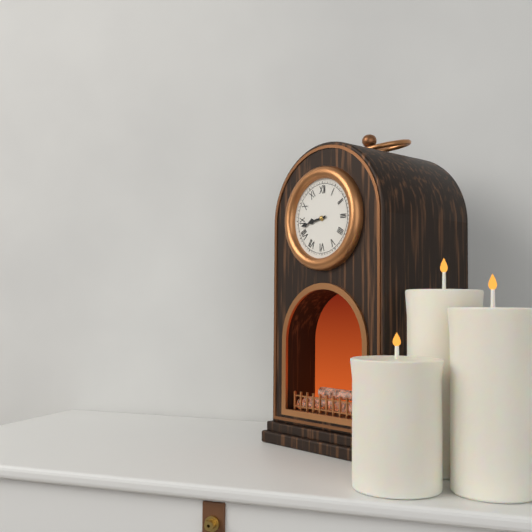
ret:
8.43
